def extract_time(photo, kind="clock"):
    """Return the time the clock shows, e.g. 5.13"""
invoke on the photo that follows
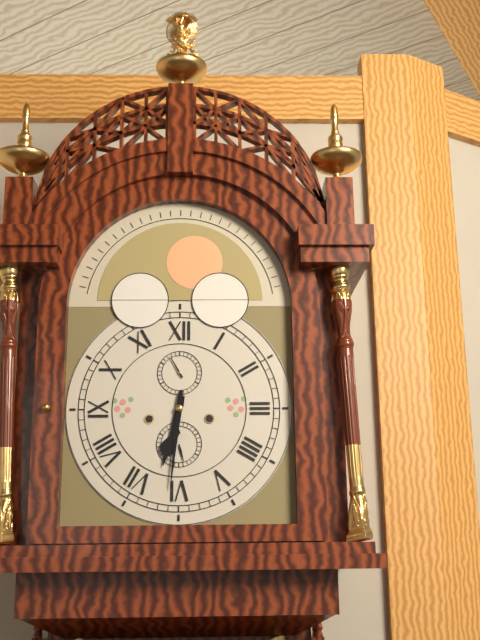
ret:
6.31
